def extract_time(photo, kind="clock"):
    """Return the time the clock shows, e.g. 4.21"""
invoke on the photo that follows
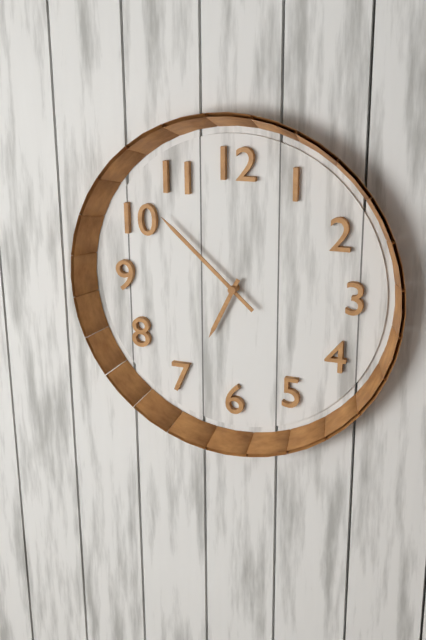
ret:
6.52
